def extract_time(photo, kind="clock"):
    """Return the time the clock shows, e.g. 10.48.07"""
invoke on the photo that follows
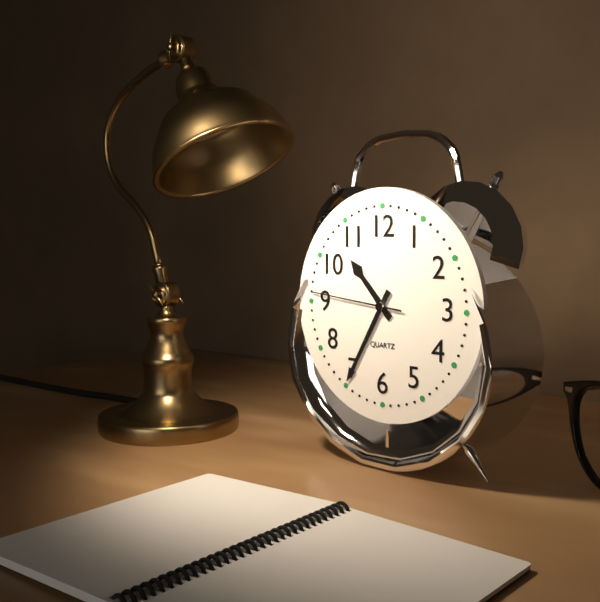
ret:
10.35.46
